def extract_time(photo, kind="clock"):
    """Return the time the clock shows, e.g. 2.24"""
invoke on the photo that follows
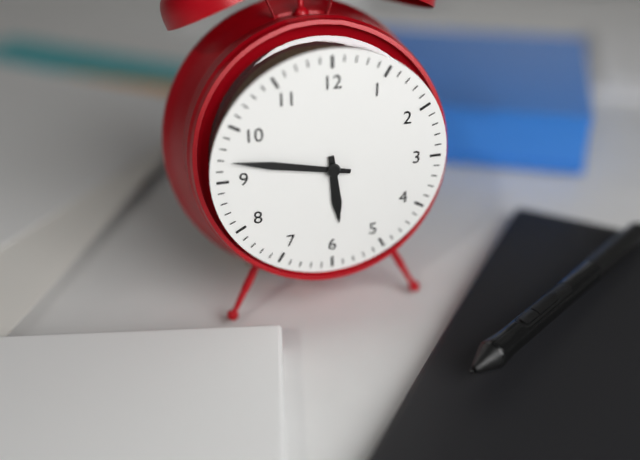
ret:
5.47
